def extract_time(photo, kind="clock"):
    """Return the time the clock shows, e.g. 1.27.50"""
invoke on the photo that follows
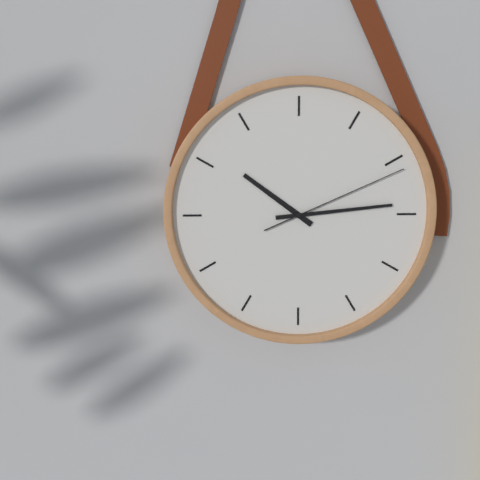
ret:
10.14.11
